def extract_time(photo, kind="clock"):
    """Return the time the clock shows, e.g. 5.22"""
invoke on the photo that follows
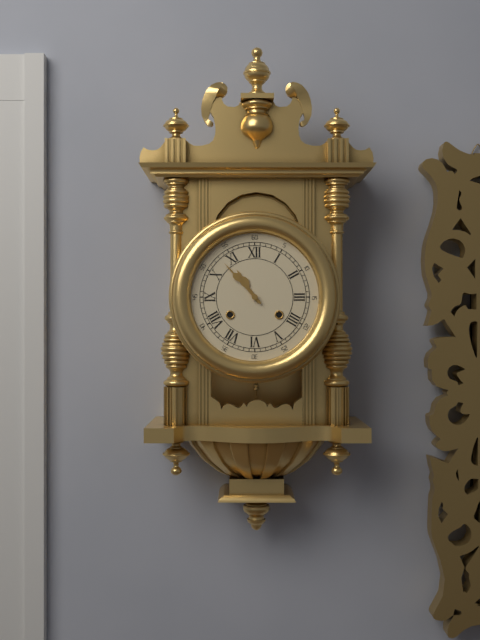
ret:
10.53
